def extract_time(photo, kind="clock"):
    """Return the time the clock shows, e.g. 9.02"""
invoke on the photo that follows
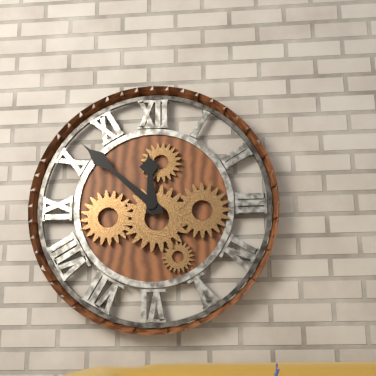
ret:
11.52
